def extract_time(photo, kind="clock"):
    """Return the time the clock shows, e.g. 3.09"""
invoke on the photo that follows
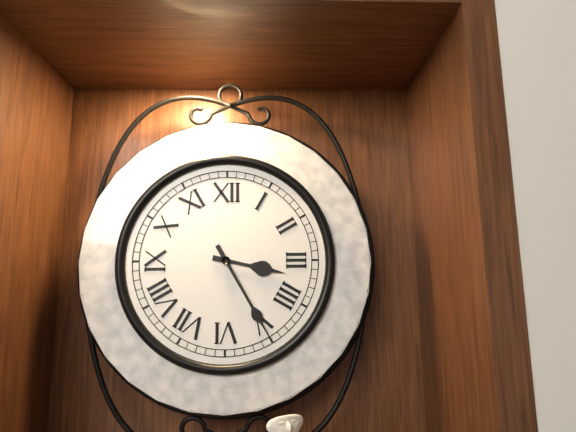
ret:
3.25
